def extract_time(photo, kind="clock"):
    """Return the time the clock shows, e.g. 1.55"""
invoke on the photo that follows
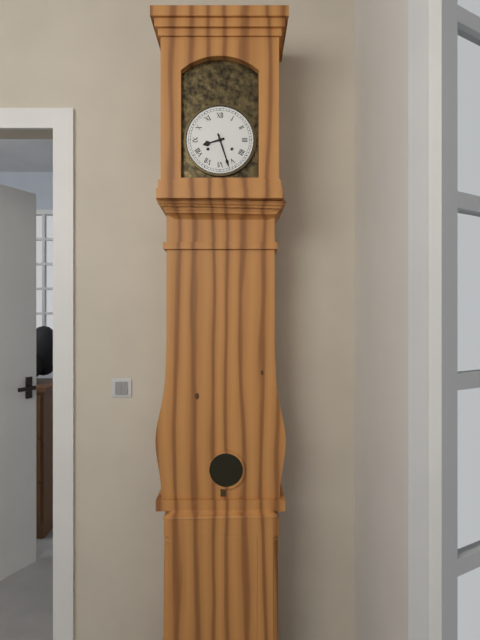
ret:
8.27
